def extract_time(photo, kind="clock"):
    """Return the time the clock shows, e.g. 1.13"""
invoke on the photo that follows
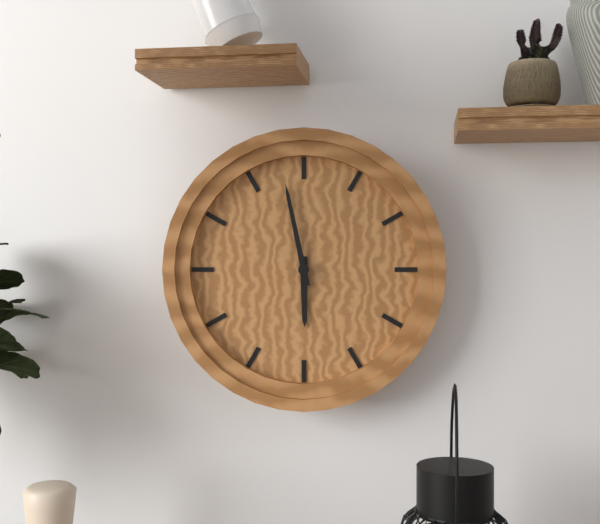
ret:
5.58
